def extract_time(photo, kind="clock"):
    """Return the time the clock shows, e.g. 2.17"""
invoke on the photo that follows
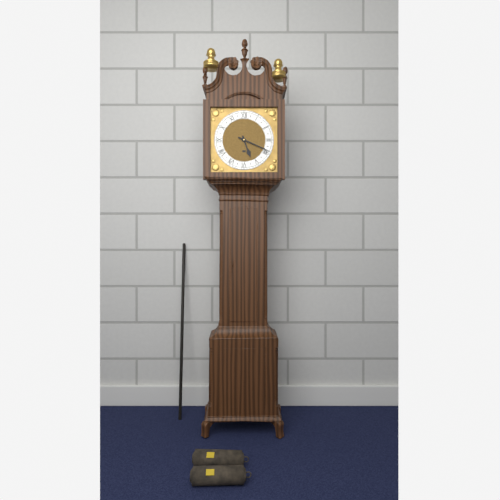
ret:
5.19
